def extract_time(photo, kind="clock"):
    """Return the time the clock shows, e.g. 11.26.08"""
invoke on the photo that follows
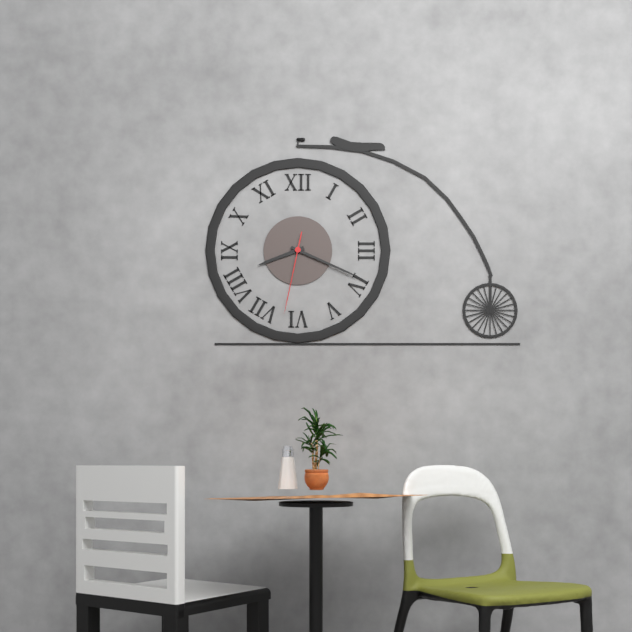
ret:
8.19.32
